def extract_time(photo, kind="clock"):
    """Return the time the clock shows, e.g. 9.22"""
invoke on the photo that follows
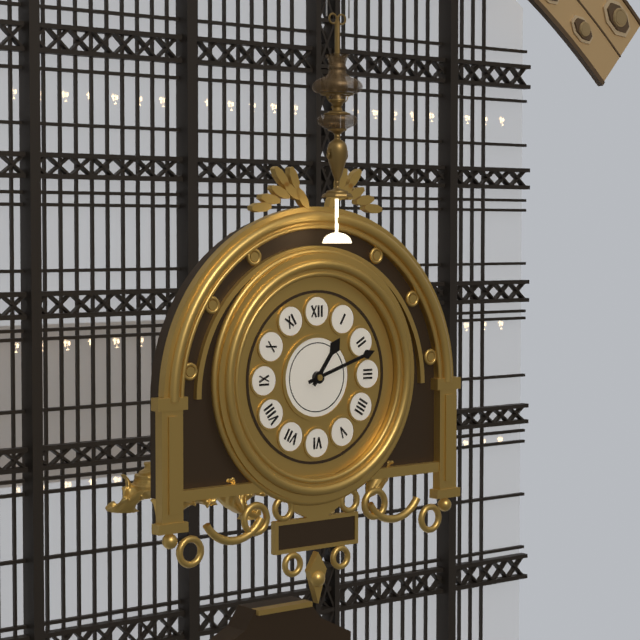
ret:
1.12
